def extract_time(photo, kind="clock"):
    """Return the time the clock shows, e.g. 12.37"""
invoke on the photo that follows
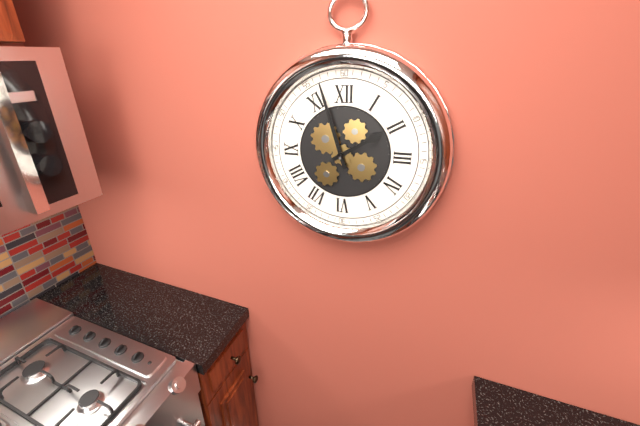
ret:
1.57
